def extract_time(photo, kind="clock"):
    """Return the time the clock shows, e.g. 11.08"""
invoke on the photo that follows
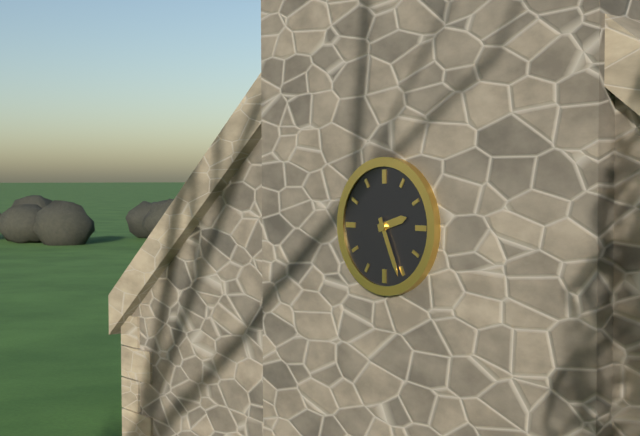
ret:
2.26
